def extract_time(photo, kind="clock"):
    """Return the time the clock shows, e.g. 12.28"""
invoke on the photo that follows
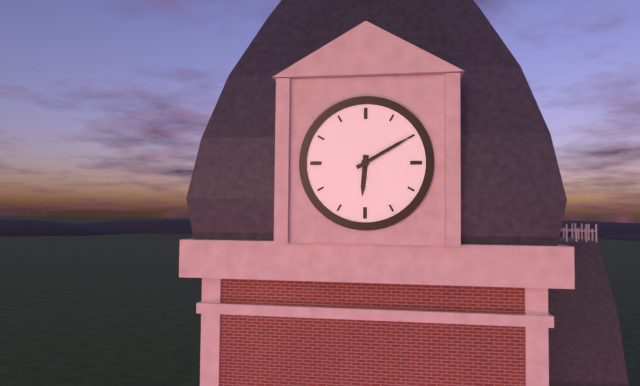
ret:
6.10
